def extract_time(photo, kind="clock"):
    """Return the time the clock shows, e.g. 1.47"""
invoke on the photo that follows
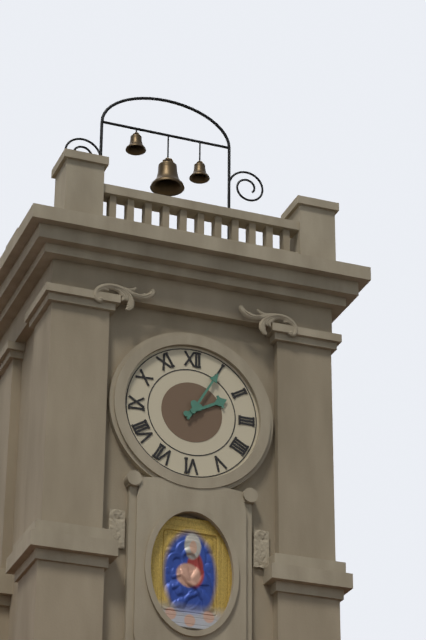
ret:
2.05
